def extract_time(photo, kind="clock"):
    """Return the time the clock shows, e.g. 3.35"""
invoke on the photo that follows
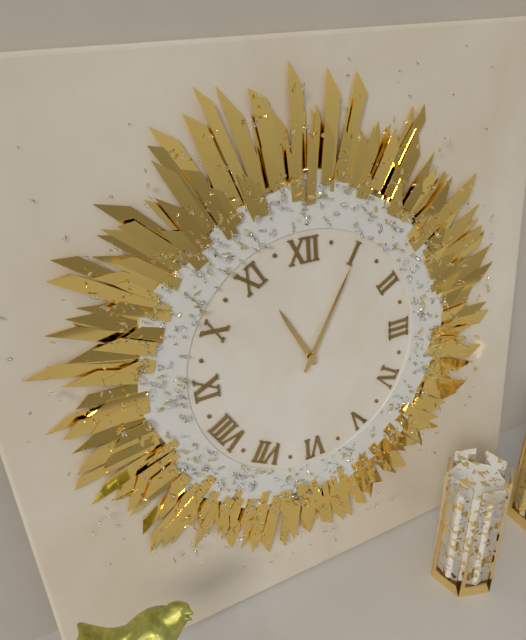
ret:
11.05
